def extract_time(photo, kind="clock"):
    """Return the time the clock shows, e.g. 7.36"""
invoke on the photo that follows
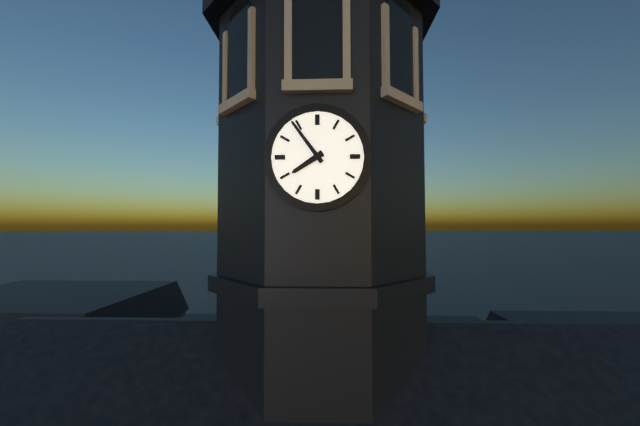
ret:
7.54
